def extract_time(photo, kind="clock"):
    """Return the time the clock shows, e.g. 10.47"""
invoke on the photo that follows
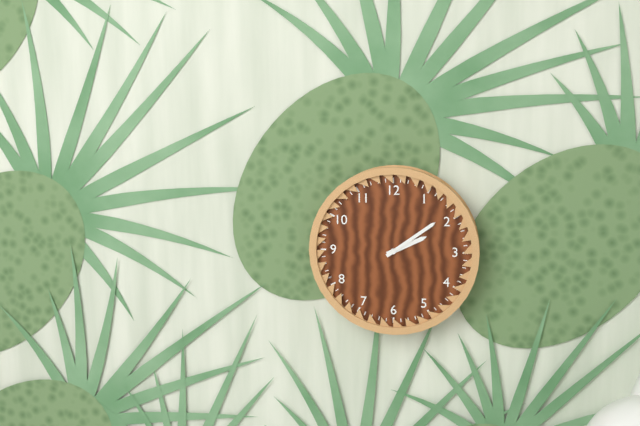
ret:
2.09
